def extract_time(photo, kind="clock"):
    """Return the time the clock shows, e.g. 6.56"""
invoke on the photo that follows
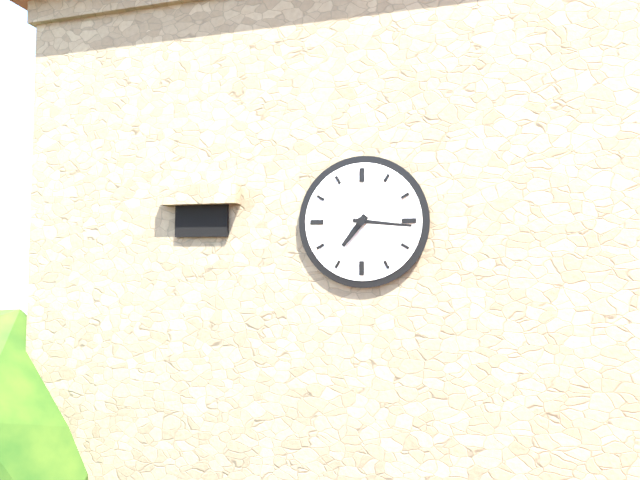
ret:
7.16
